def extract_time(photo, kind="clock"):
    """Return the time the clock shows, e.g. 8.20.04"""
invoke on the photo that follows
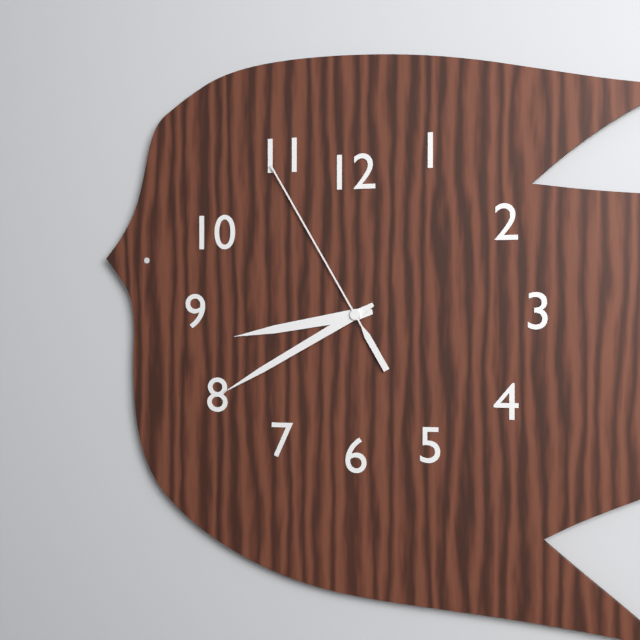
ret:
8.40.55
